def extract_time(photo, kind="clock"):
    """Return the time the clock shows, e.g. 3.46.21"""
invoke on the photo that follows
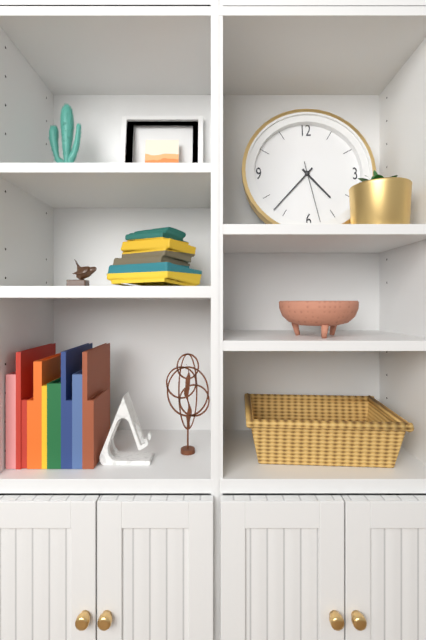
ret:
4.37.28
